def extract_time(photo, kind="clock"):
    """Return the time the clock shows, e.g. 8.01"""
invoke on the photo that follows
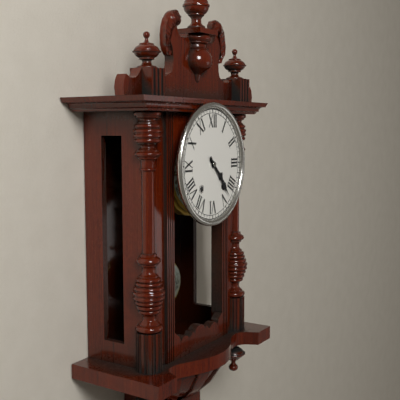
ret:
4.23
